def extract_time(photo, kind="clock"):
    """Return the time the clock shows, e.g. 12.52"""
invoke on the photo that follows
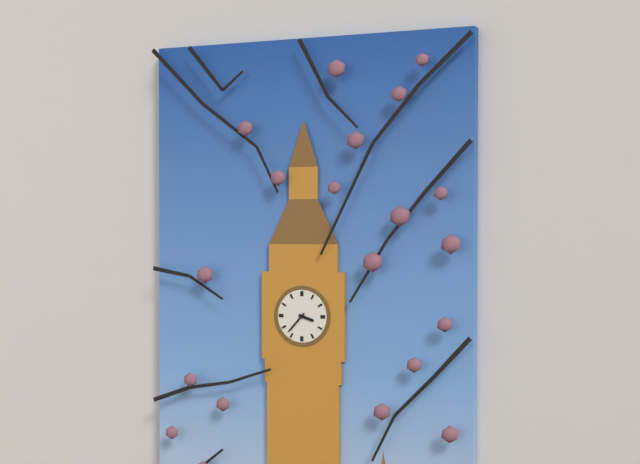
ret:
3.37
